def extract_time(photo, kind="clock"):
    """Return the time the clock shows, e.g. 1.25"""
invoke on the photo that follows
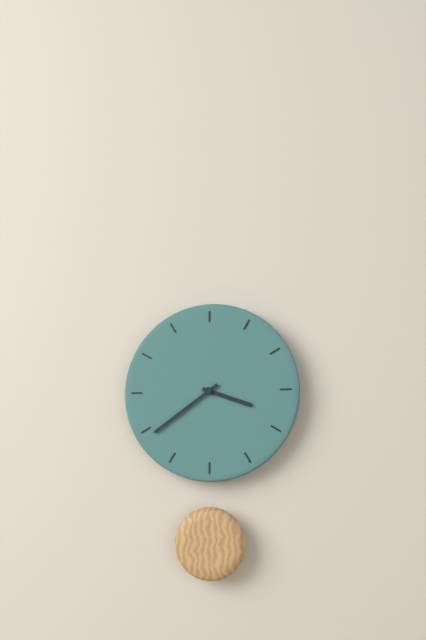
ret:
3.39
